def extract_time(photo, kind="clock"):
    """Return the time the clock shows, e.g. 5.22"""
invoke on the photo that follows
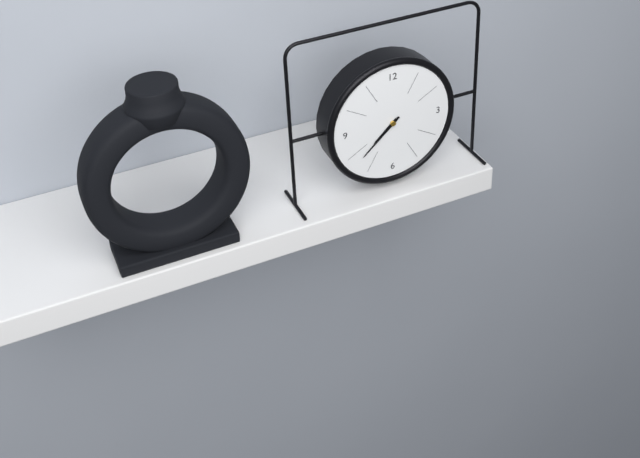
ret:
7.38
